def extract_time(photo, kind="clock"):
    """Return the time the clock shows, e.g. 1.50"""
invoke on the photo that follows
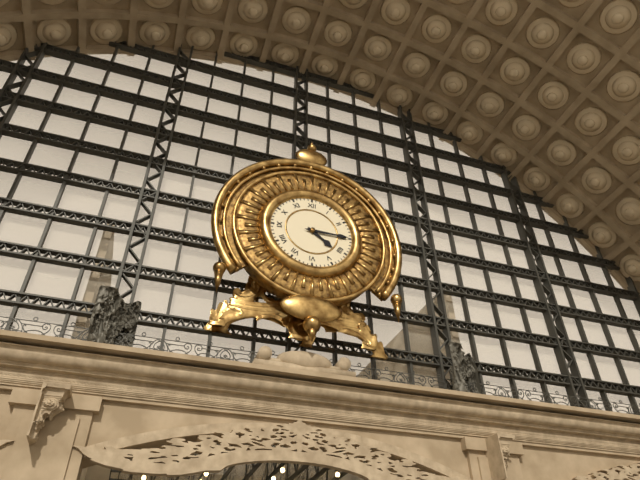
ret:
4.15
